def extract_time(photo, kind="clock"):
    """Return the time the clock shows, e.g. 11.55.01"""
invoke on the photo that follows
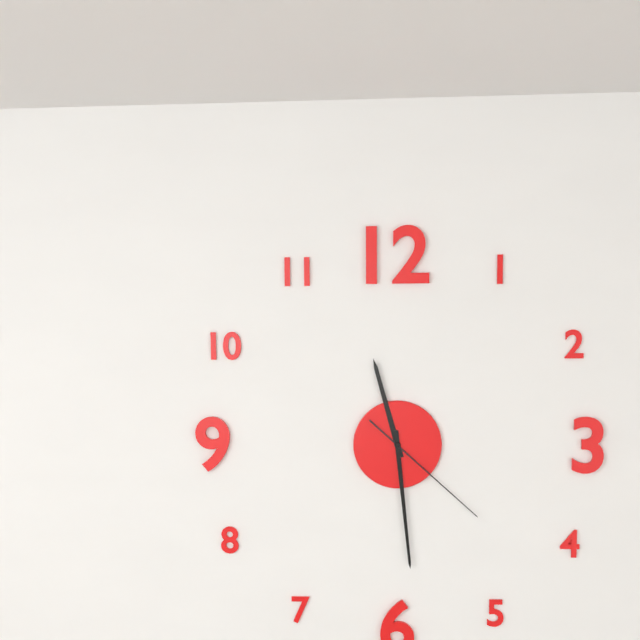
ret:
11.29.22
